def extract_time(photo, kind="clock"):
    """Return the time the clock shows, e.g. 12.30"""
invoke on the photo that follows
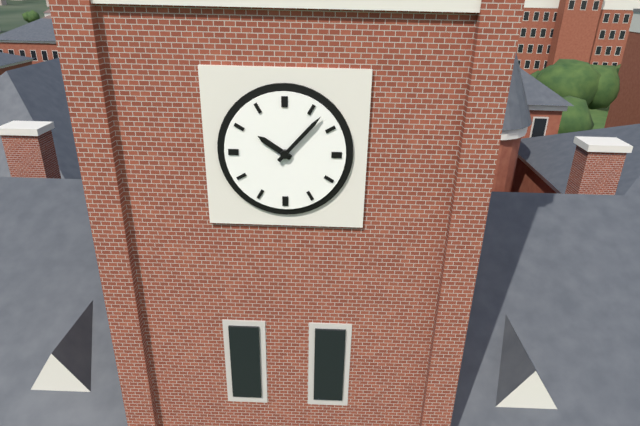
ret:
10.07
